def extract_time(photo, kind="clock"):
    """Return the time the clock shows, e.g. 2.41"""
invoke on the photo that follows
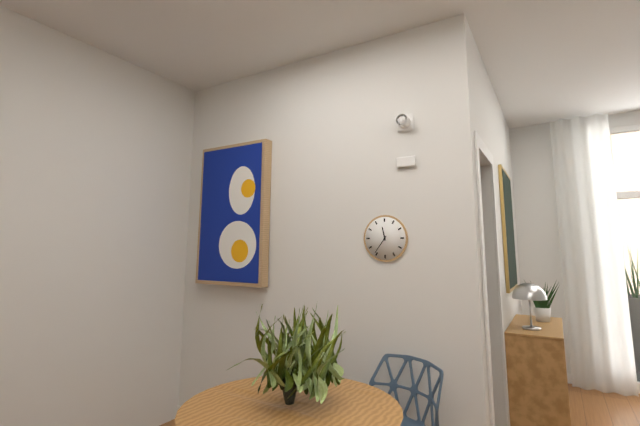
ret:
11.36
